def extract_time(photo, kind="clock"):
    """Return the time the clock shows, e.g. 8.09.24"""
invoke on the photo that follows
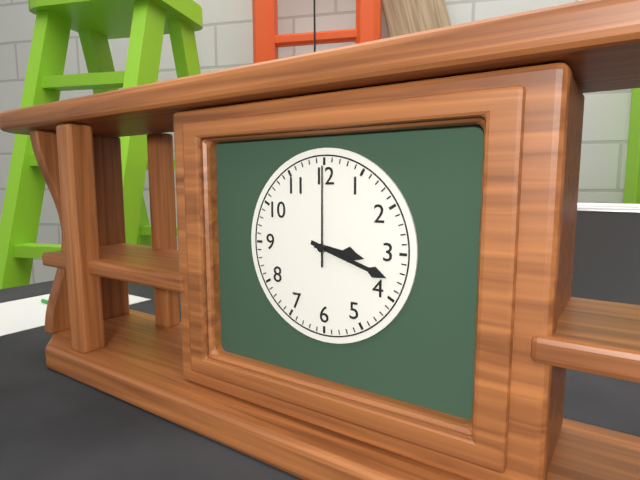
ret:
3.18.00
